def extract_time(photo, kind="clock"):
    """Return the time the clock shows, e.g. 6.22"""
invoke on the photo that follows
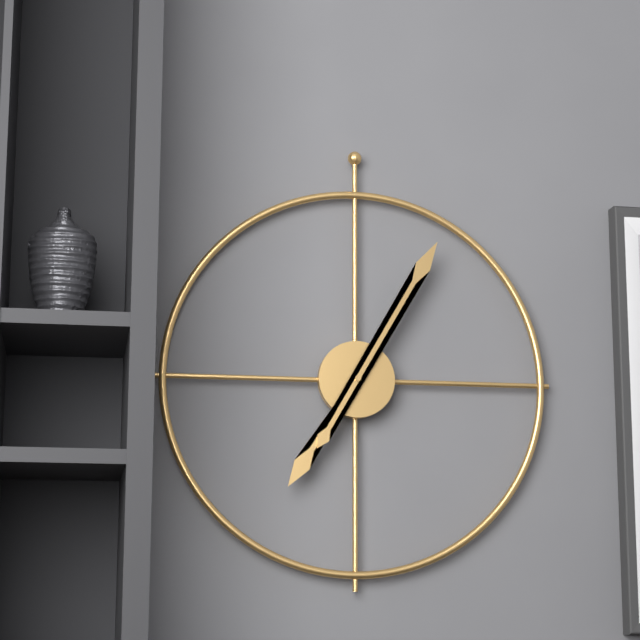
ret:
7.05
